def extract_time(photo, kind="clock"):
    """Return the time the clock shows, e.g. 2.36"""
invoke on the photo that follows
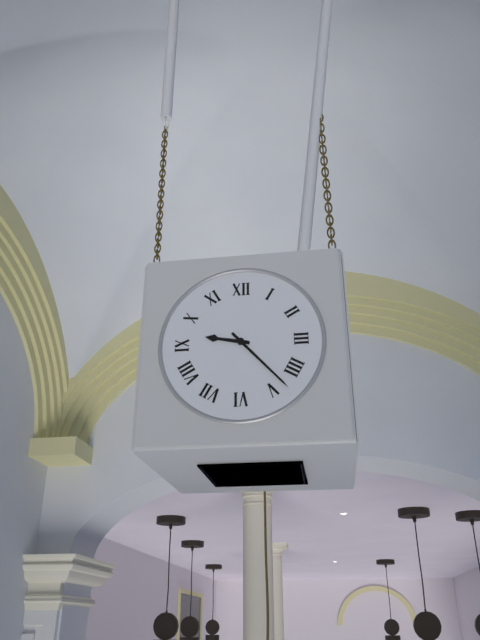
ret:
9.23
